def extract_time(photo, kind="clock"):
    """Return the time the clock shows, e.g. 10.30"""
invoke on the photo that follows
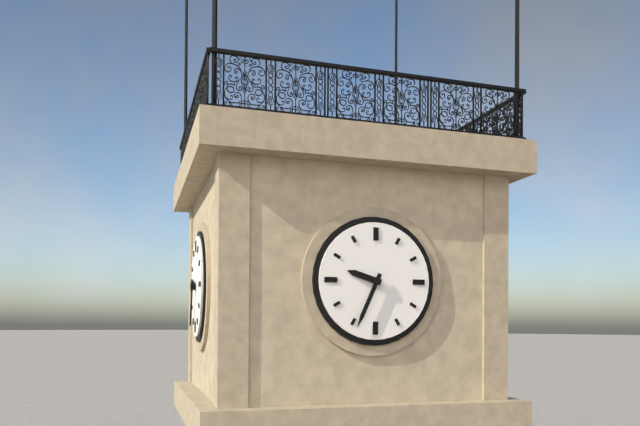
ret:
9.34
